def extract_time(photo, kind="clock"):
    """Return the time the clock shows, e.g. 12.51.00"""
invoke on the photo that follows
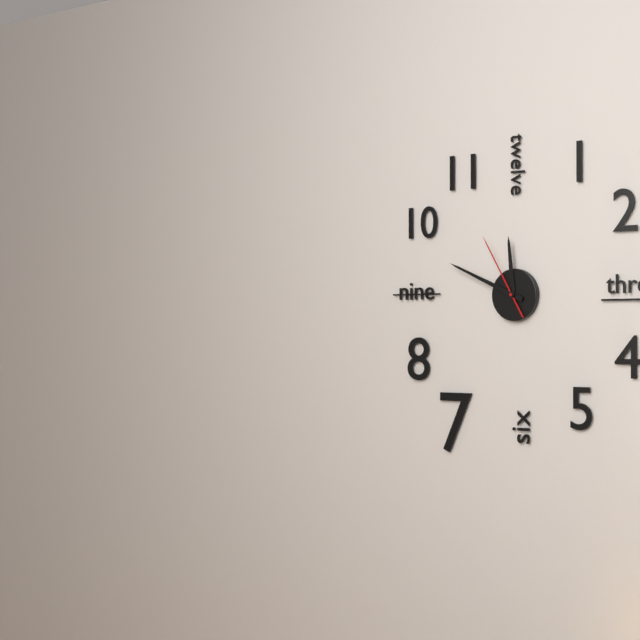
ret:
11.49.55
